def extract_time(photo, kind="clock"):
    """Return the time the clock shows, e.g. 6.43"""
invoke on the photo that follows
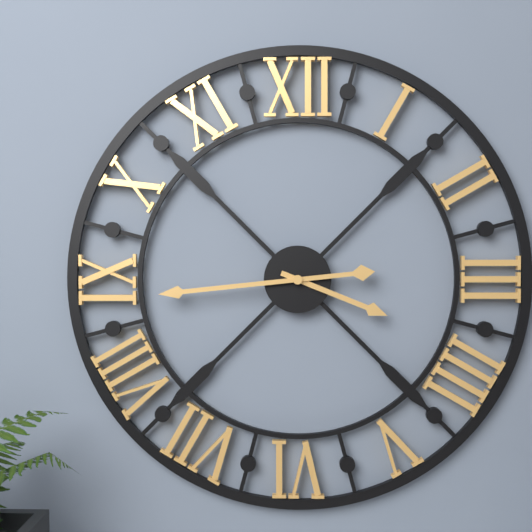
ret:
3.44
